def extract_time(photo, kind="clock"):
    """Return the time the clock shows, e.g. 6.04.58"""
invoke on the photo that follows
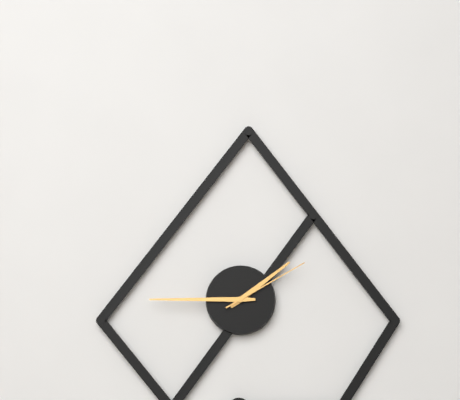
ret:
1.45.10
